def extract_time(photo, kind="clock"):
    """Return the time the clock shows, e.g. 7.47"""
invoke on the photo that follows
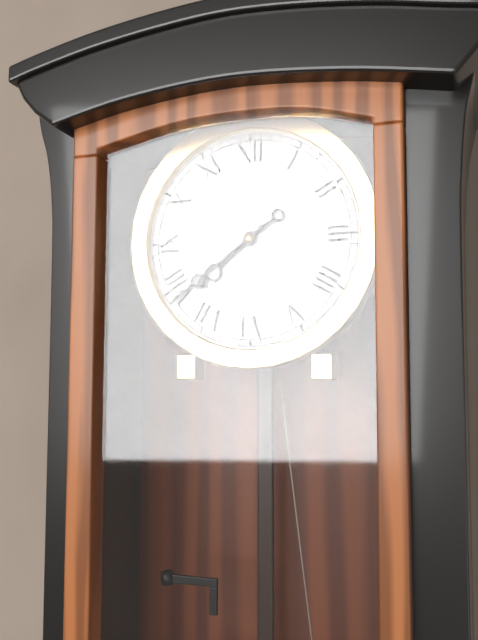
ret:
7.39
